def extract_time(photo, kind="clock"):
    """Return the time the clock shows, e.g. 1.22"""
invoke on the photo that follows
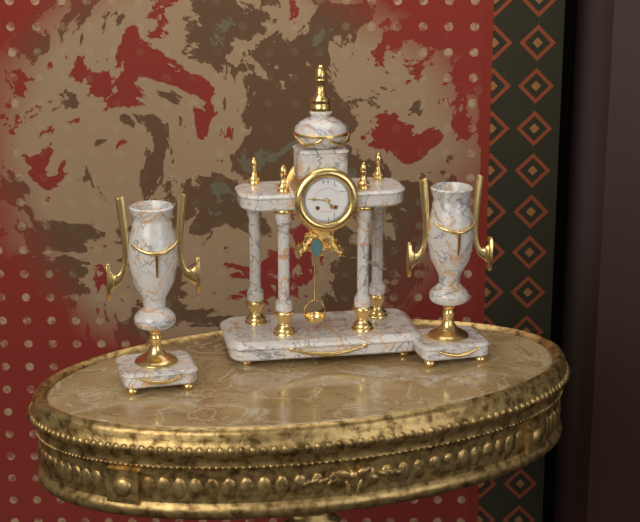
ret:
4.46
